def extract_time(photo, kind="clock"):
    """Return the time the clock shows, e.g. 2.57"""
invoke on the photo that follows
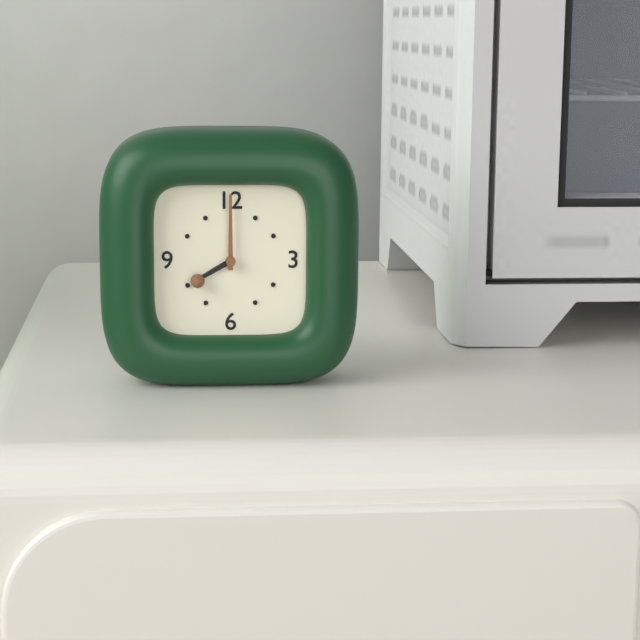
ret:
8.00
